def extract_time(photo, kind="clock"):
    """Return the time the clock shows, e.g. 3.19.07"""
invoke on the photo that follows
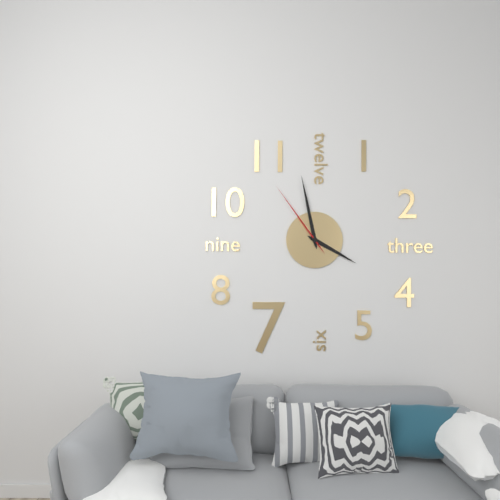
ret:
3.58.54
